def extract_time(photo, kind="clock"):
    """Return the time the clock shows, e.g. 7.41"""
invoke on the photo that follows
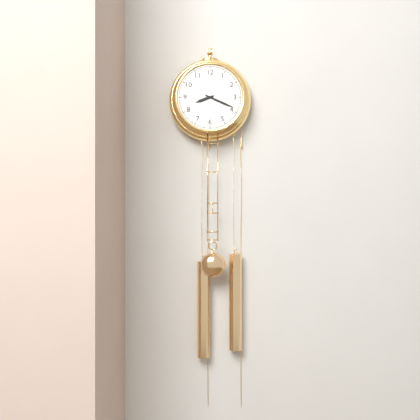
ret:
8.19
